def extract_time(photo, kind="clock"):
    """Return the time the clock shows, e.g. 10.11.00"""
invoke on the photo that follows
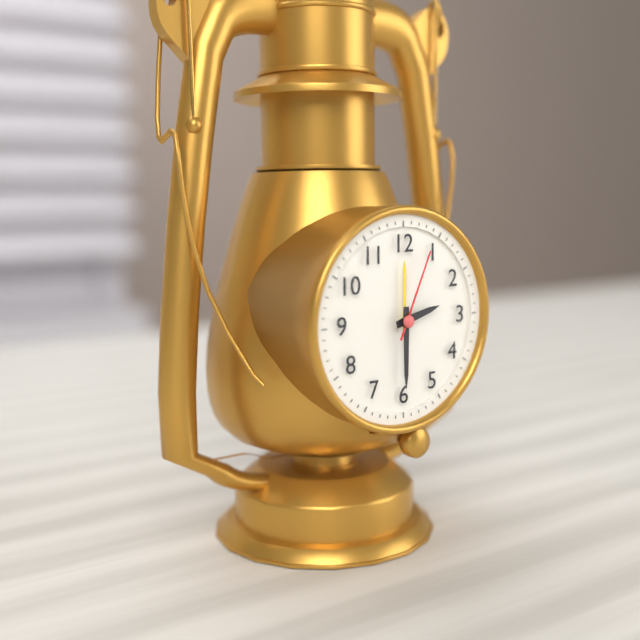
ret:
2.30.04
